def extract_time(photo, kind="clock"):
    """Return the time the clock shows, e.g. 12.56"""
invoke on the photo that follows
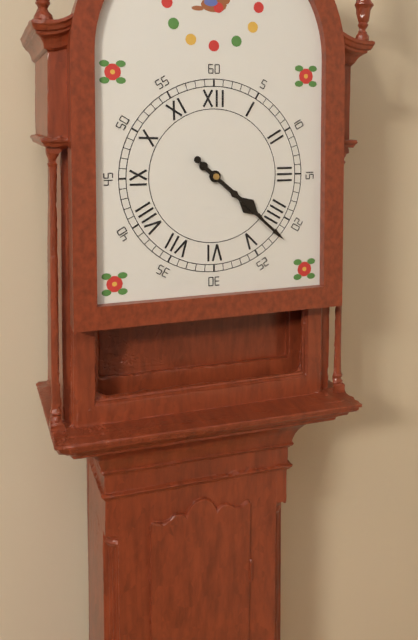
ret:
4.22
